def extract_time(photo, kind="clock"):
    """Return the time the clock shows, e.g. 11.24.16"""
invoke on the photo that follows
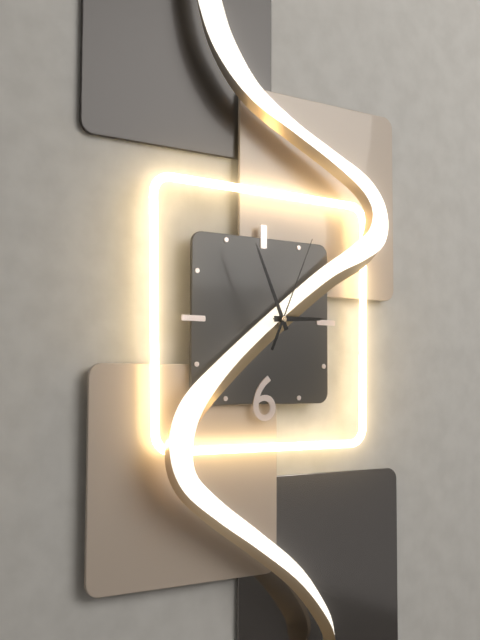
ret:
2.56.04
